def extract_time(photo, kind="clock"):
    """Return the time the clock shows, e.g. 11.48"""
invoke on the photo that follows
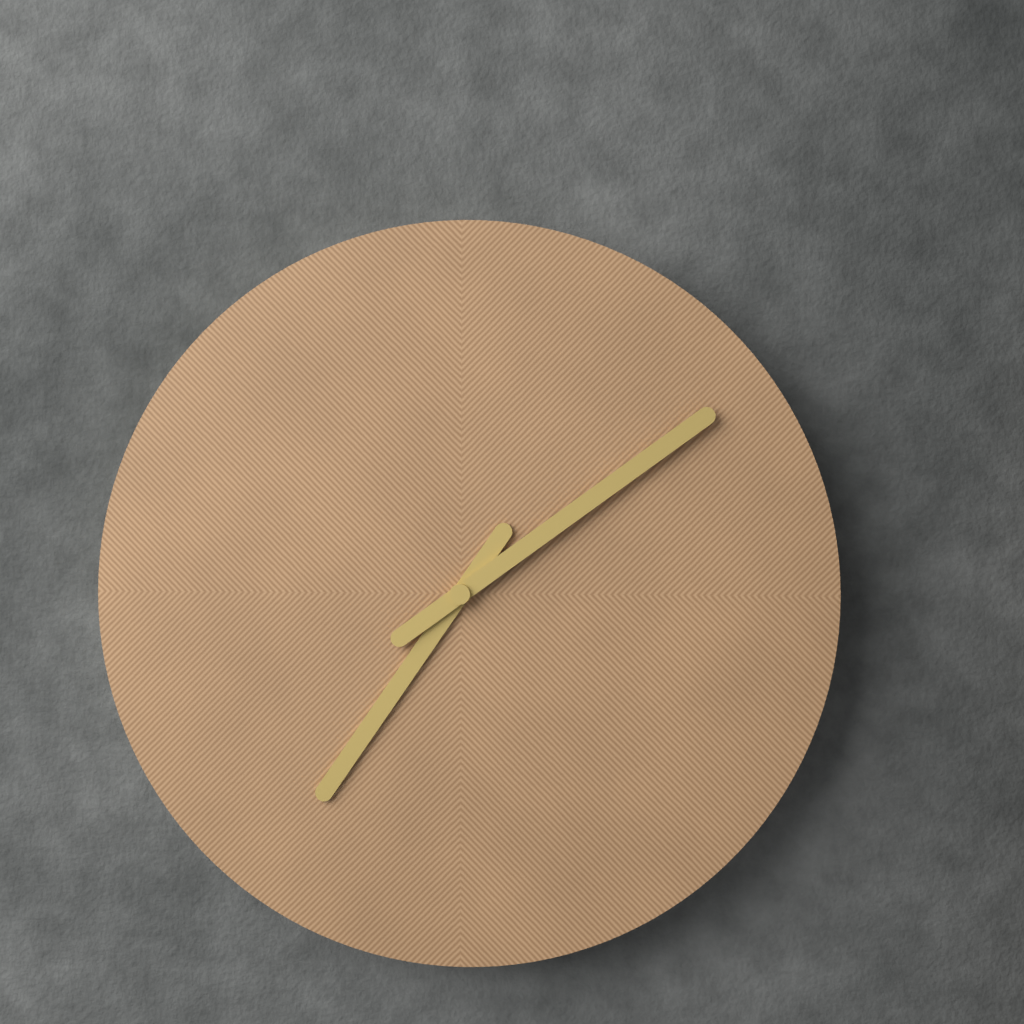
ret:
7.09
